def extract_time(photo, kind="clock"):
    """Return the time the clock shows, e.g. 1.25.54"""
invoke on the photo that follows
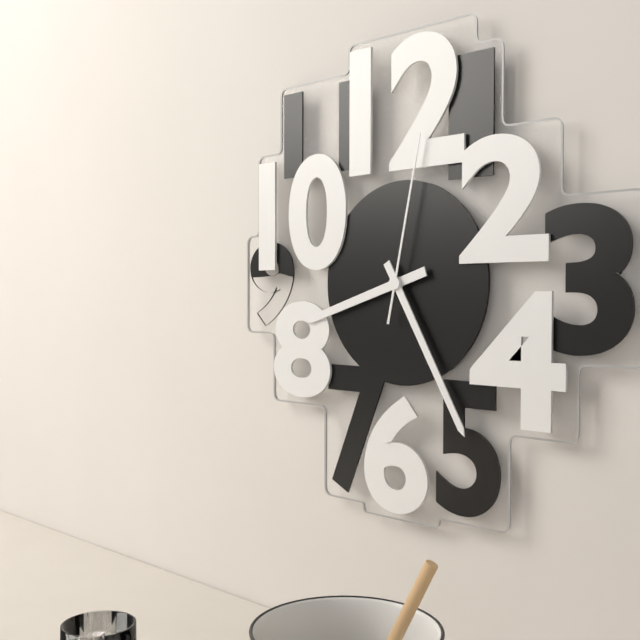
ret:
8.25.02
